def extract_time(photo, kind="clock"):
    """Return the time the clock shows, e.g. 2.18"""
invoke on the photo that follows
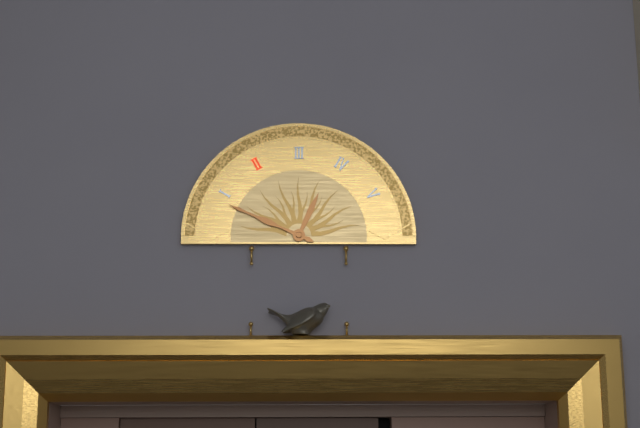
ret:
12.49
